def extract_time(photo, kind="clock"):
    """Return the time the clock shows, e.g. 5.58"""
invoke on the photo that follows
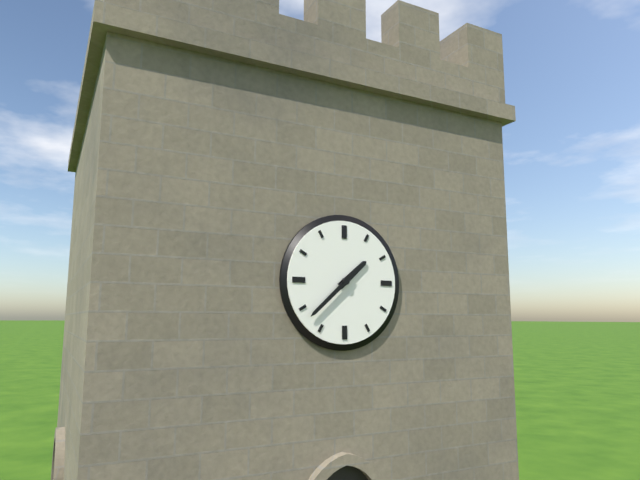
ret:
1.38
